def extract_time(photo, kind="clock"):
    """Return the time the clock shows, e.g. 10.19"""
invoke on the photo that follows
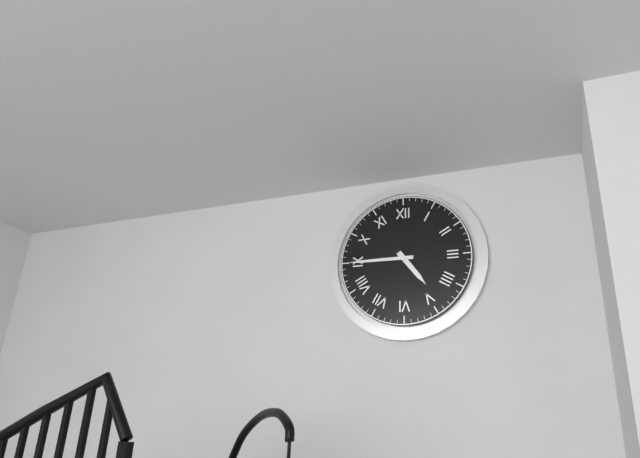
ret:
4.45
